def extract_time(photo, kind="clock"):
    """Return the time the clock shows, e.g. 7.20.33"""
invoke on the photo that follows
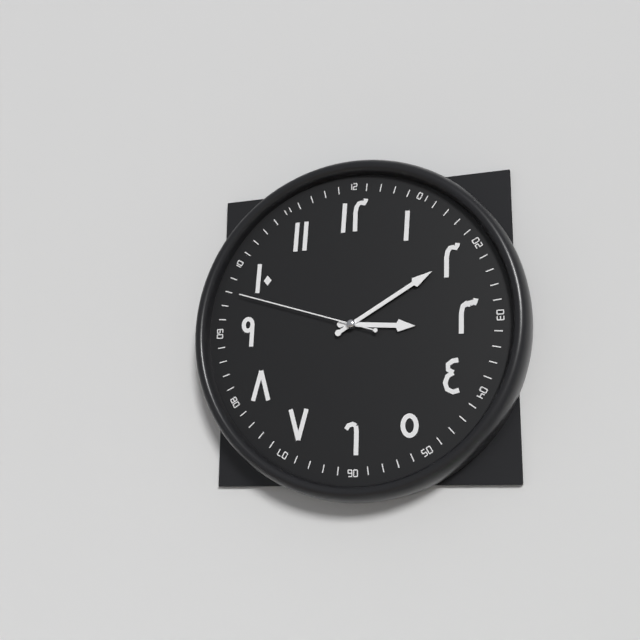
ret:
3.10.48
